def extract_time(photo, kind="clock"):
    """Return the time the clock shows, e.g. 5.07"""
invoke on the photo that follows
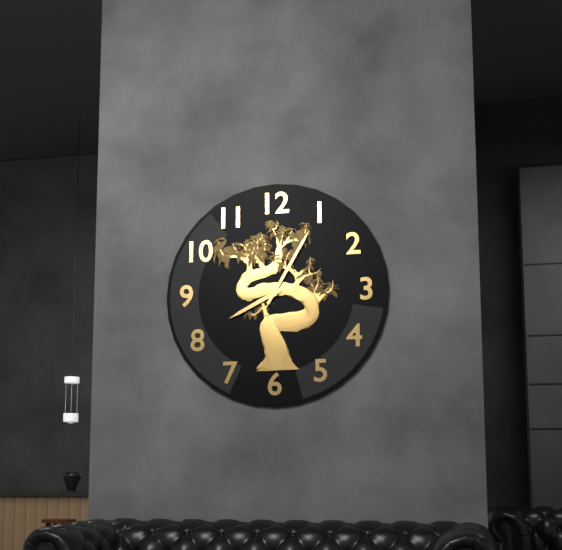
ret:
8.05
